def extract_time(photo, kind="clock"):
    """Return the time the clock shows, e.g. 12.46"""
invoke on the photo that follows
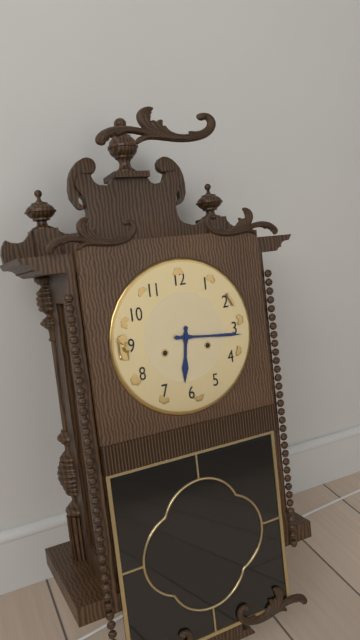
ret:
6.16
